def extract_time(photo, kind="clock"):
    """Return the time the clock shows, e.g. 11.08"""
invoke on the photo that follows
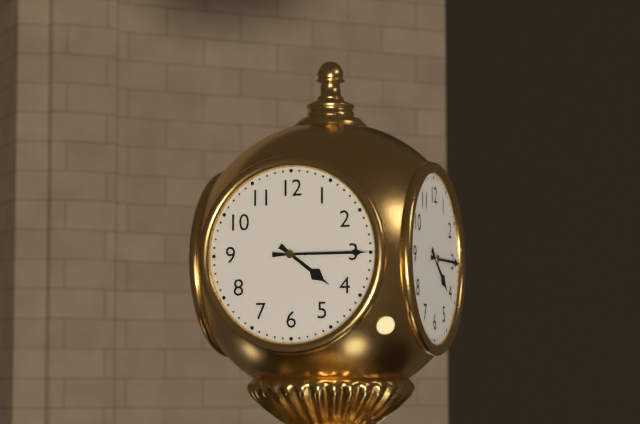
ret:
4.15
